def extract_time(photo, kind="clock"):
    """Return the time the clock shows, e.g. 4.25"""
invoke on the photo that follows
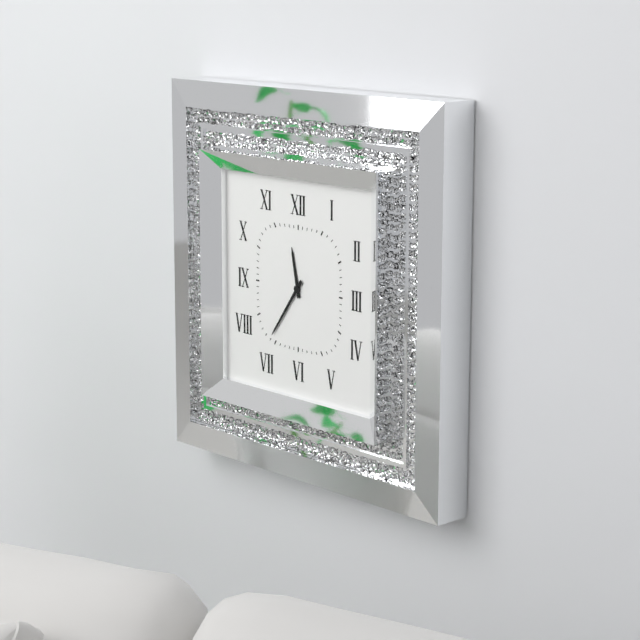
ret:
11.36
